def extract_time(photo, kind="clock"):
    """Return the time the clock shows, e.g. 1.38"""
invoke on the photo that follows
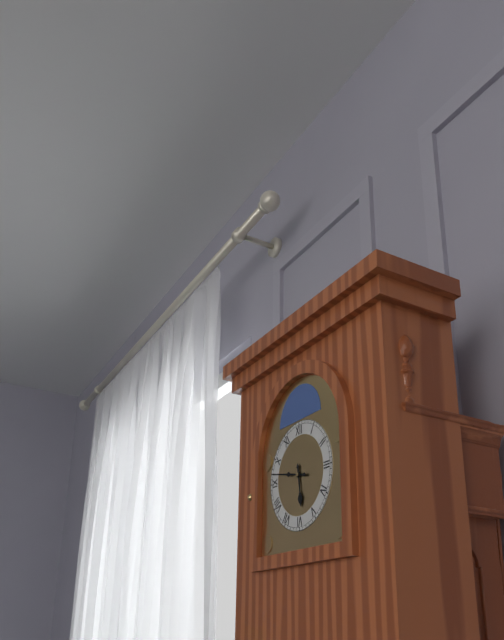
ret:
5.47
